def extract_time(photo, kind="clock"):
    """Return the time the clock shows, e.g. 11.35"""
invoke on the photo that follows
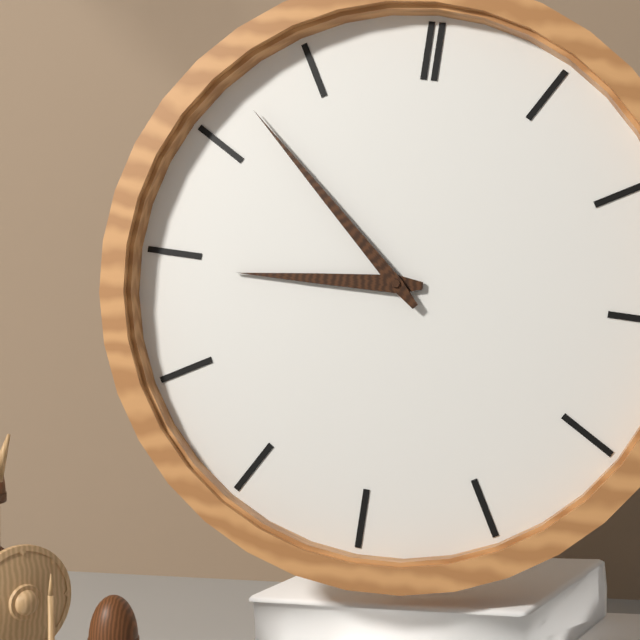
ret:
8.52
